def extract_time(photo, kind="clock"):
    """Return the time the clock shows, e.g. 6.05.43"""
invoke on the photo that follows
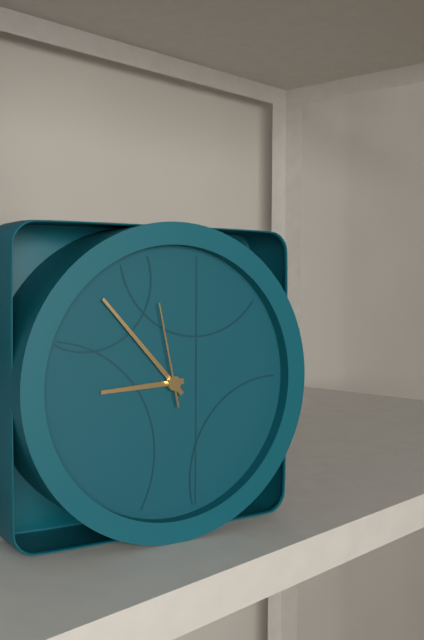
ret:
8.53.58
